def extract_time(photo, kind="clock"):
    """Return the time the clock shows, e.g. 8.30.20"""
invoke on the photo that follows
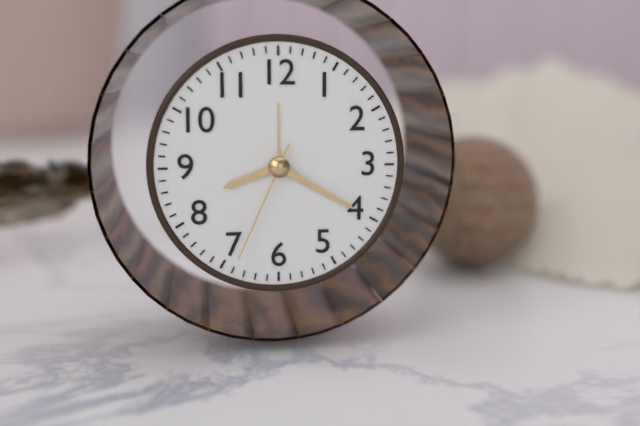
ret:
8.20.34
